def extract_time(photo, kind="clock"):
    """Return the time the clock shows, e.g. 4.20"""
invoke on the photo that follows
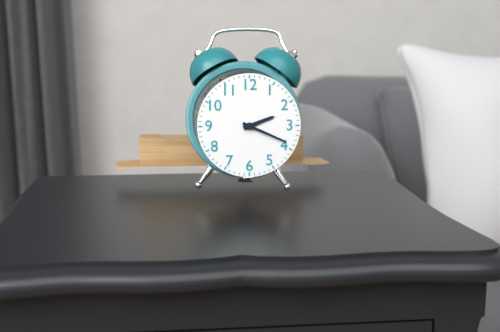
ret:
2.19
